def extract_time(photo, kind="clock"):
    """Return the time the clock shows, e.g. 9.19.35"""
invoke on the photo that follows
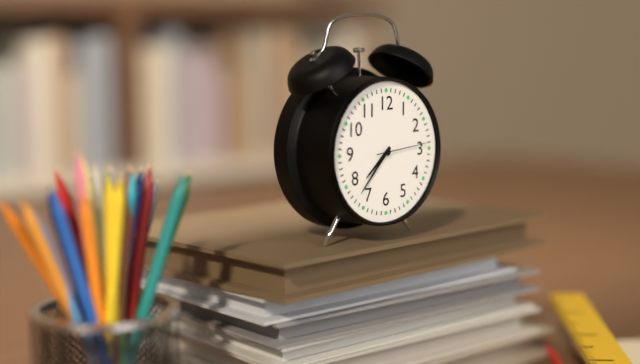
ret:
7.37.14
